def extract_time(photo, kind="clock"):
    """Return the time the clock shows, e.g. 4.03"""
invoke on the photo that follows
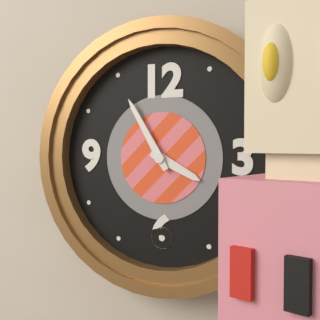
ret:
3.55
